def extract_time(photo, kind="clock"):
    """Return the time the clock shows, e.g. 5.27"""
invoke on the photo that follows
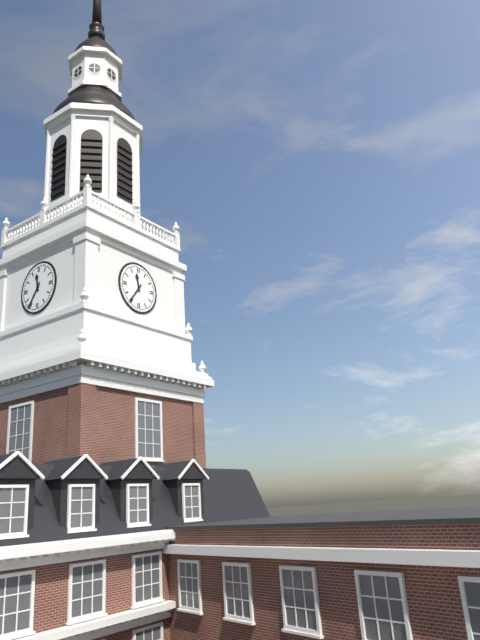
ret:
11.36
